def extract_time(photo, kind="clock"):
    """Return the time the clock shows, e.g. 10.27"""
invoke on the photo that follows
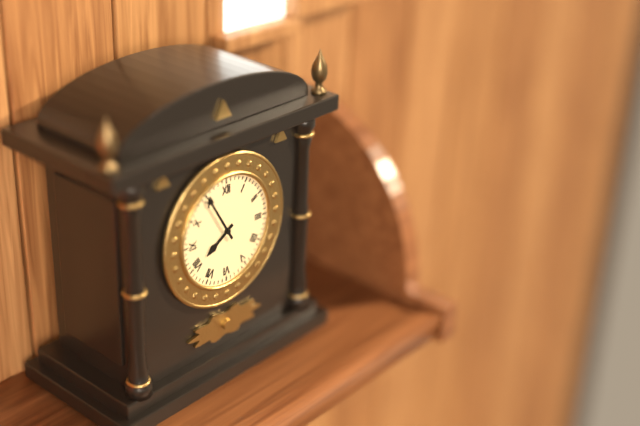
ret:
7.55
